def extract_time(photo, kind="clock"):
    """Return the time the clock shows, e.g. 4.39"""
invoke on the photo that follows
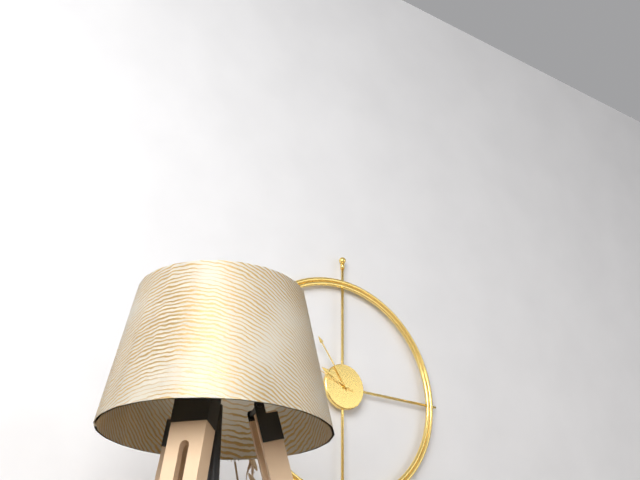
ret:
9.54
